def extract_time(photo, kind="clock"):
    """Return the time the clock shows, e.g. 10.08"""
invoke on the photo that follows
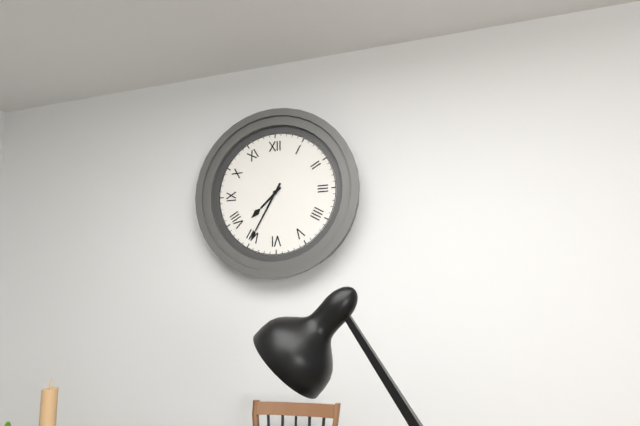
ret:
7.35
